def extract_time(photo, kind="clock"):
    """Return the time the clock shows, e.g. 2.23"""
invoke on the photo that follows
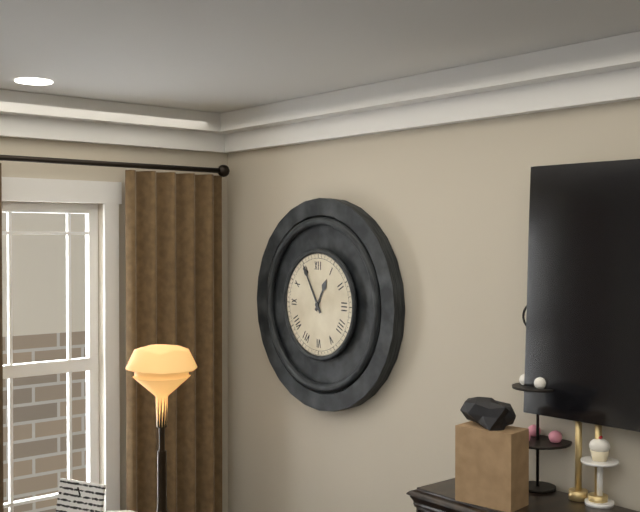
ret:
12.55
